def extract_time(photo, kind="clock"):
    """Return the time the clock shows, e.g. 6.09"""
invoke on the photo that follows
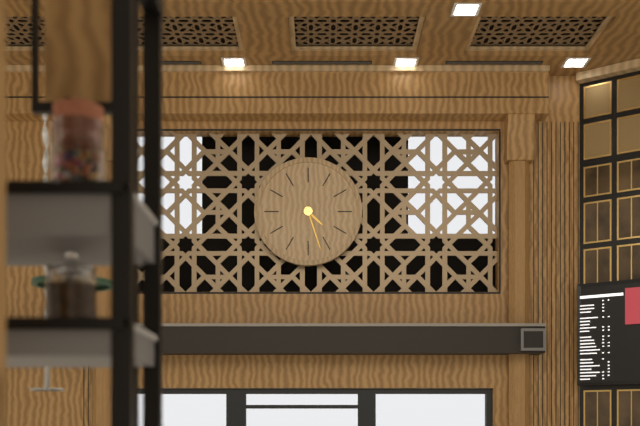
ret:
4.27
